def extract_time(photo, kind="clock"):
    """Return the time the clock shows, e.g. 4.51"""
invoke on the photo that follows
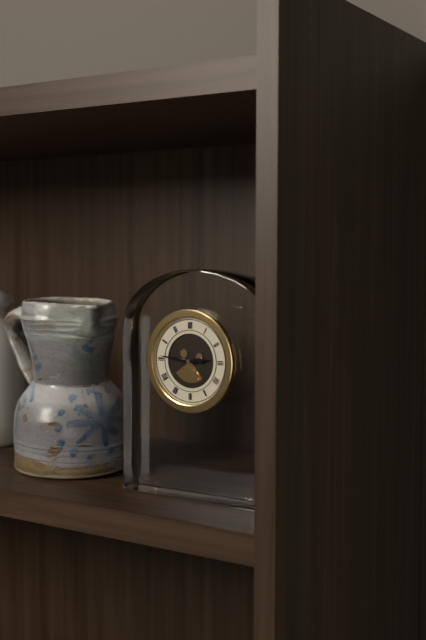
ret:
2.46
